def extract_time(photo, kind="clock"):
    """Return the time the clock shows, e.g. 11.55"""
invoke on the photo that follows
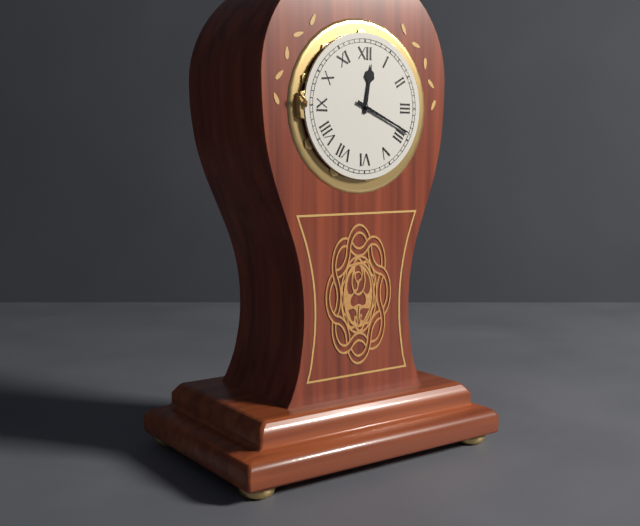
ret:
12.19
